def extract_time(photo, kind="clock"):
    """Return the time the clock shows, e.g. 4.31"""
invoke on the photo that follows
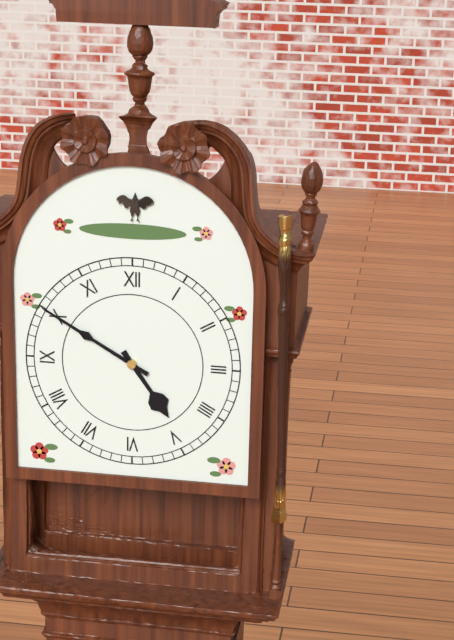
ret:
4.50
